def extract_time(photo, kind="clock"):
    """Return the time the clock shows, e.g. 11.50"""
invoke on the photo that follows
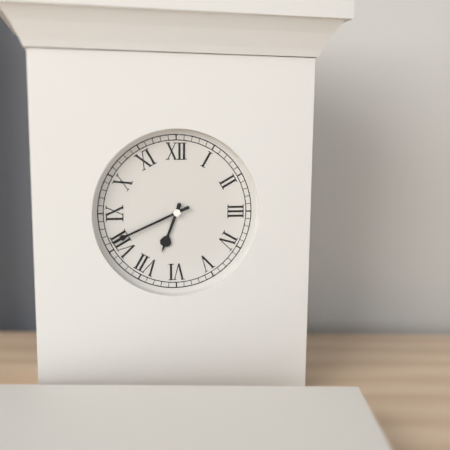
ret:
6.41
